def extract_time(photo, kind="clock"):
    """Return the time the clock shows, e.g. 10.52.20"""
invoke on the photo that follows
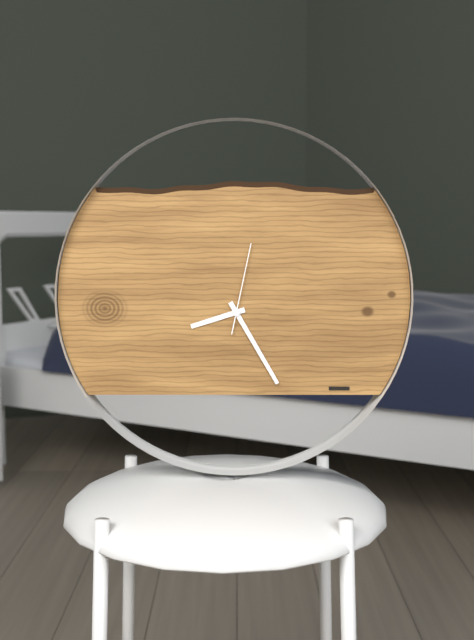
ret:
8.25.02
